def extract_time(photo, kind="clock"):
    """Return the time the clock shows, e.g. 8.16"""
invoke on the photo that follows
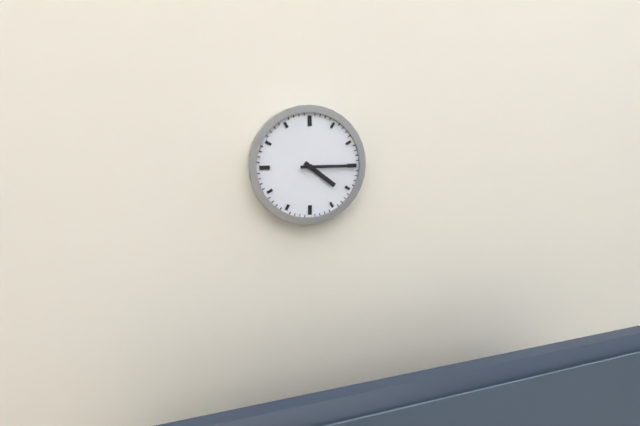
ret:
4.15
